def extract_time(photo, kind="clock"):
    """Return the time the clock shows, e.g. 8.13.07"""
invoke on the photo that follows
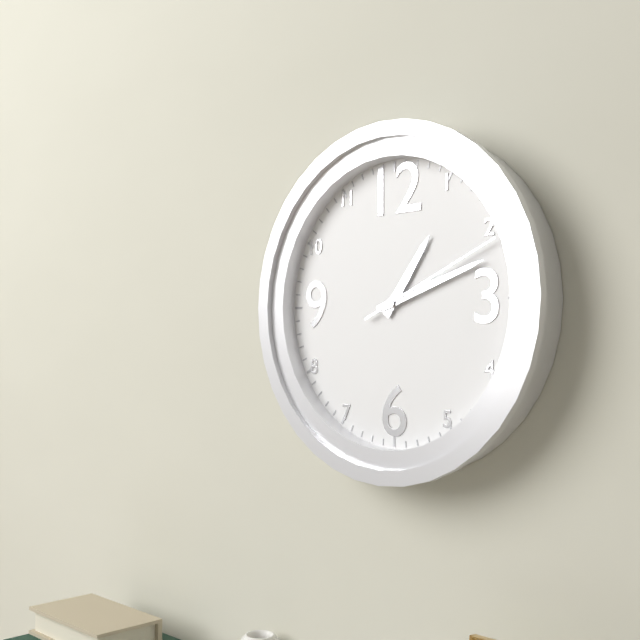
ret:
1.12.11
